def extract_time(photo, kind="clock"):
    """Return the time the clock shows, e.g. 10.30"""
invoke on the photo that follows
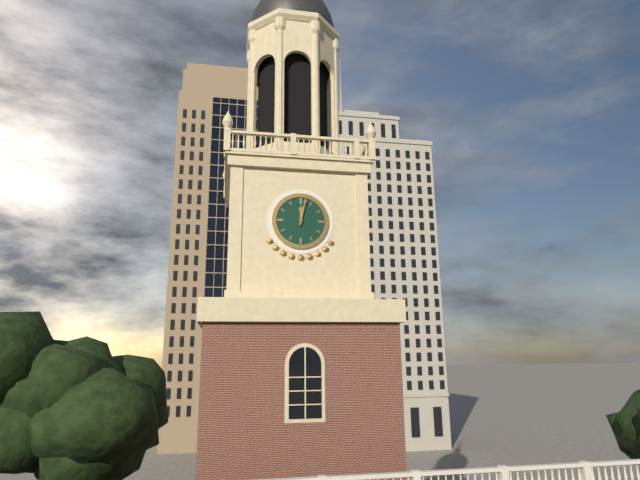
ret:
12.02
